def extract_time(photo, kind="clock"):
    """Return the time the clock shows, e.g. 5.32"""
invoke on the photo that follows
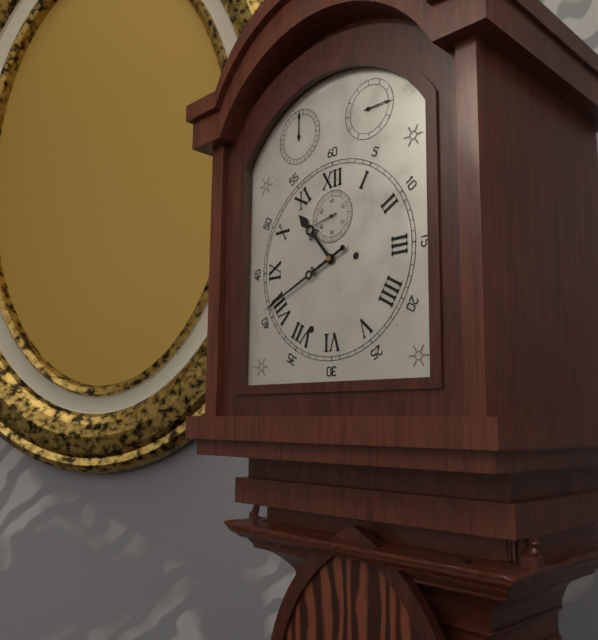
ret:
10.41
